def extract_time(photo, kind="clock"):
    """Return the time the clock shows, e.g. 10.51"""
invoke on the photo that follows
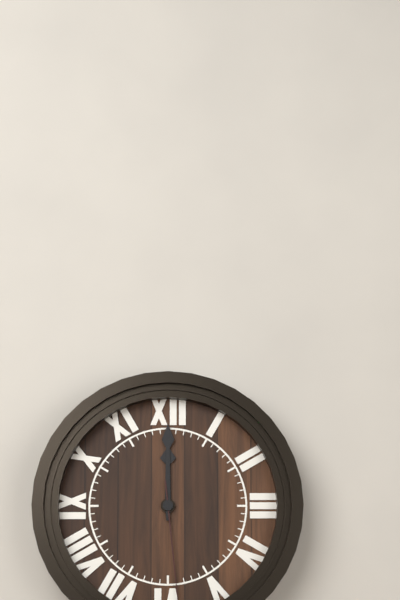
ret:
12.00
